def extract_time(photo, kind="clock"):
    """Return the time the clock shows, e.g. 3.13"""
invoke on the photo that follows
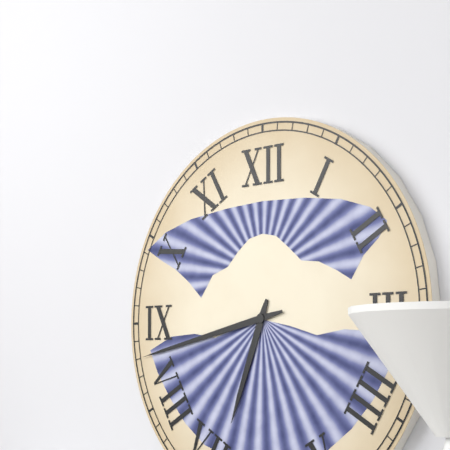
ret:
6.43
